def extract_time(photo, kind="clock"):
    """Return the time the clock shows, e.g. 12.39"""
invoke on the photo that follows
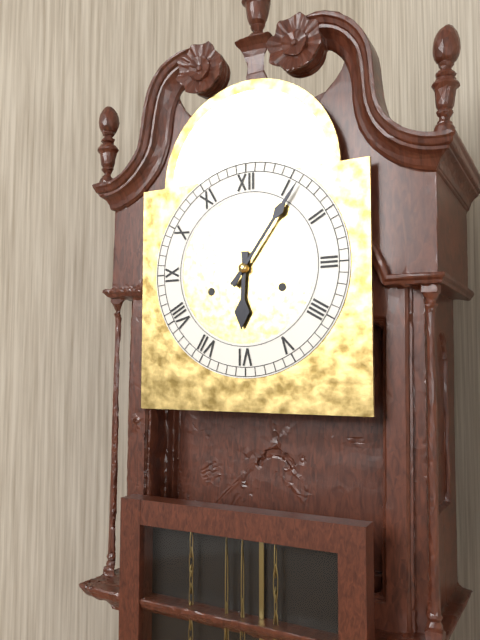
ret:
6.06
